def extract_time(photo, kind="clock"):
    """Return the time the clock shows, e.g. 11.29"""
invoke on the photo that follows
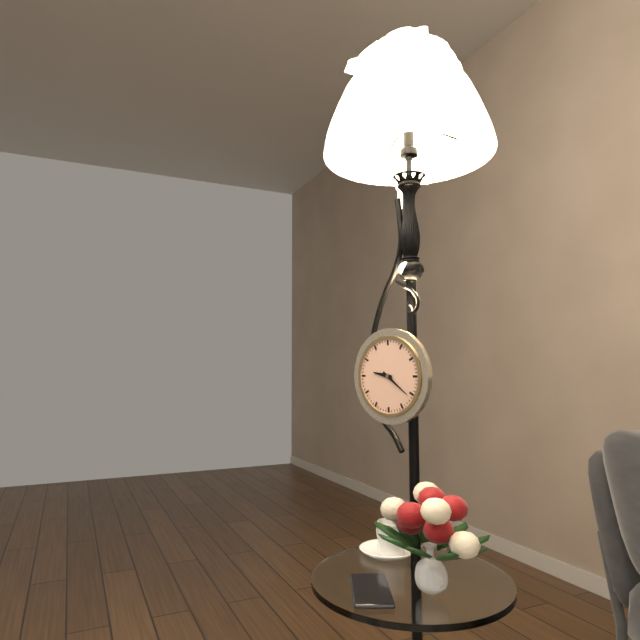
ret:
9.21
